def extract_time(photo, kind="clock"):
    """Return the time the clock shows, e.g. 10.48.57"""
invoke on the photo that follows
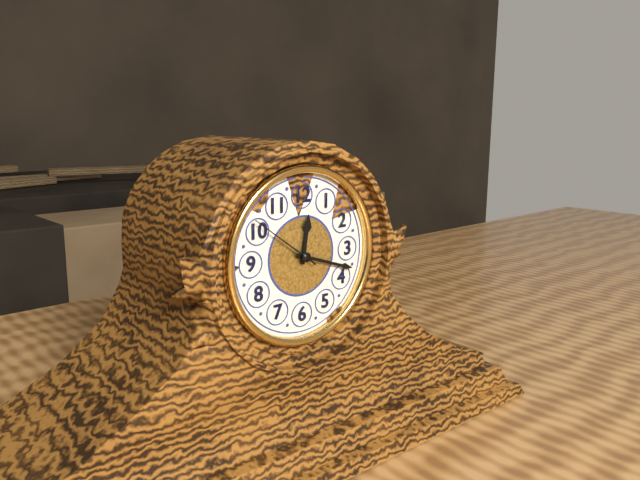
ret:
12.18.51
